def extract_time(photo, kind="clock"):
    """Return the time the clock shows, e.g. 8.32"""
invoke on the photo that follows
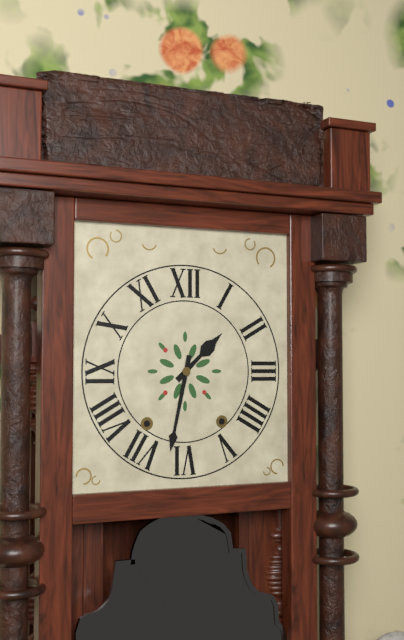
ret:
1.32
